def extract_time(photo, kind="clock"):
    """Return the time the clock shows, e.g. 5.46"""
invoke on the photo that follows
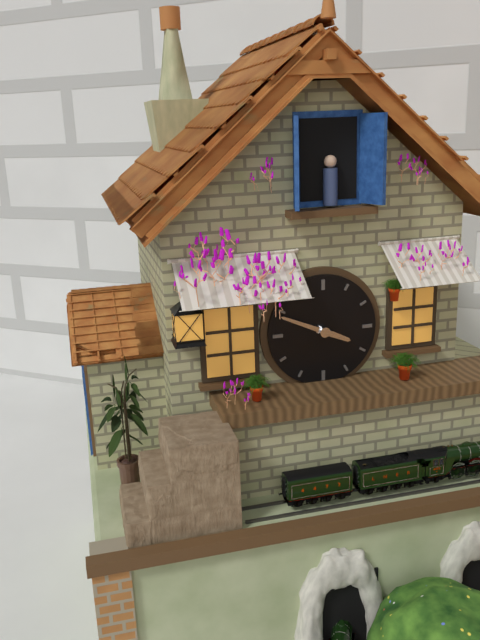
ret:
3.49
